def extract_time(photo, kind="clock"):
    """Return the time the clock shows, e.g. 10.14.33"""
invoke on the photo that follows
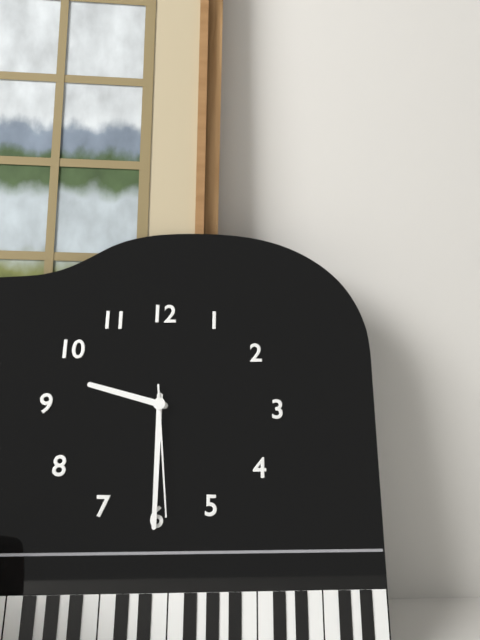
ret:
9.30.29
